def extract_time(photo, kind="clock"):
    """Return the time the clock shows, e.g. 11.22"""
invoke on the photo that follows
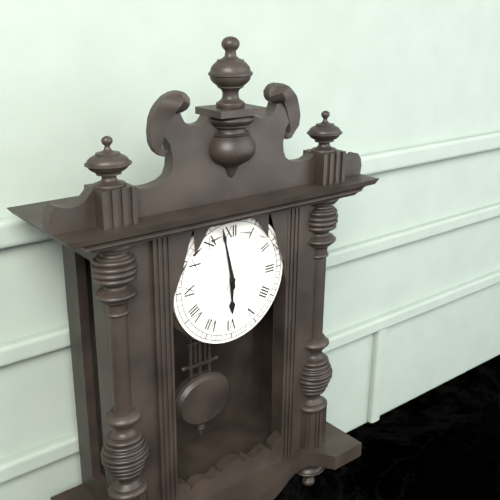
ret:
5.58
